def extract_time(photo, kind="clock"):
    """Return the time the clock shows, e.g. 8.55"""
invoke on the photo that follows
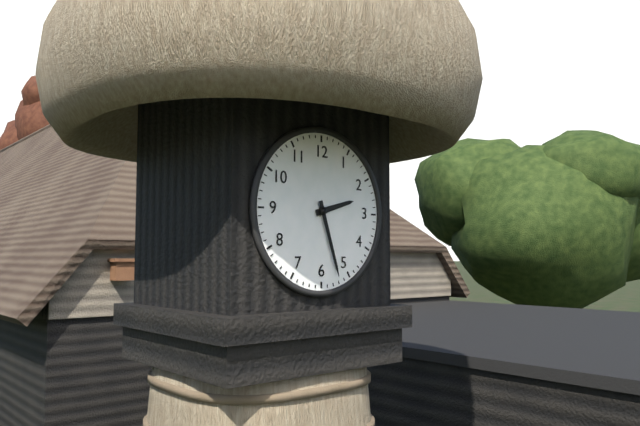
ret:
2.27
